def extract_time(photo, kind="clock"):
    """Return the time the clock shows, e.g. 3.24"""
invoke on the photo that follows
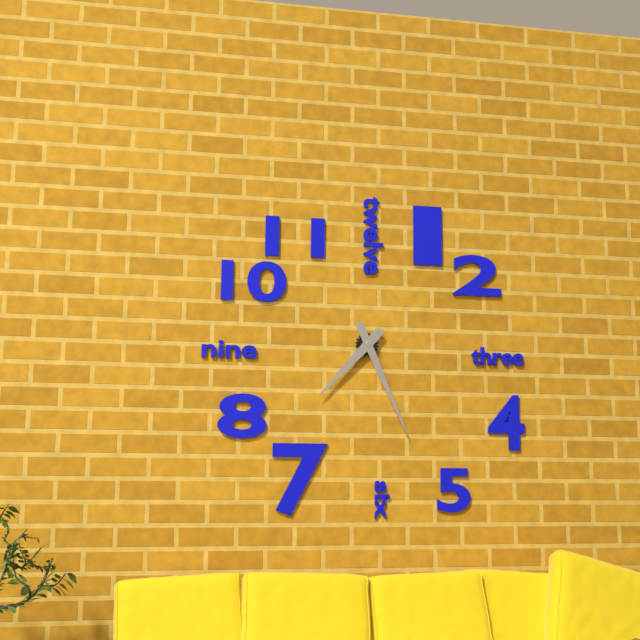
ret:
7.26
